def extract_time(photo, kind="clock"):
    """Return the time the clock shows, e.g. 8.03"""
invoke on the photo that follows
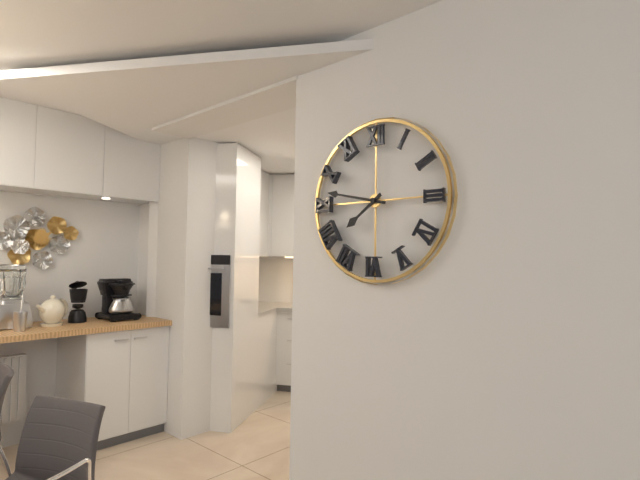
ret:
7.47
